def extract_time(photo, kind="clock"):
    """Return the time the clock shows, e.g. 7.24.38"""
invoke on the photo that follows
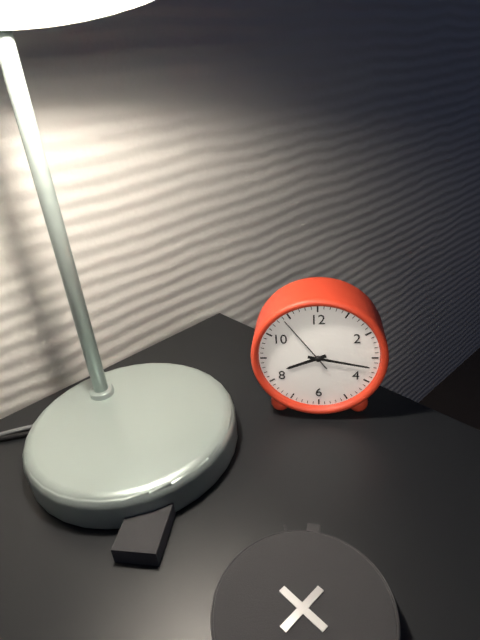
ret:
8.17.54
